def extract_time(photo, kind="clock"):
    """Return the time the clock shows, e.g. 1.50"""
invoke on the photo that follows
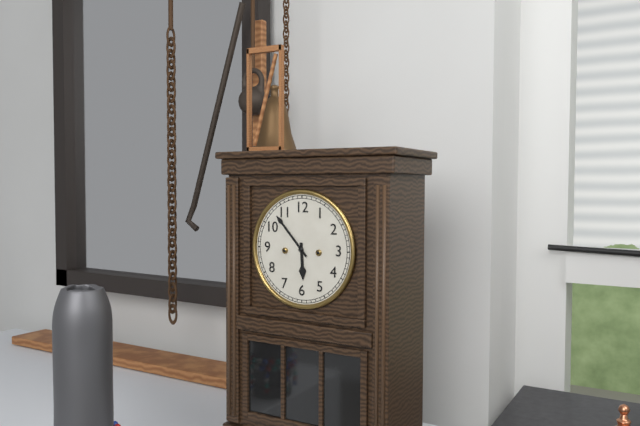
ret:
5.53
